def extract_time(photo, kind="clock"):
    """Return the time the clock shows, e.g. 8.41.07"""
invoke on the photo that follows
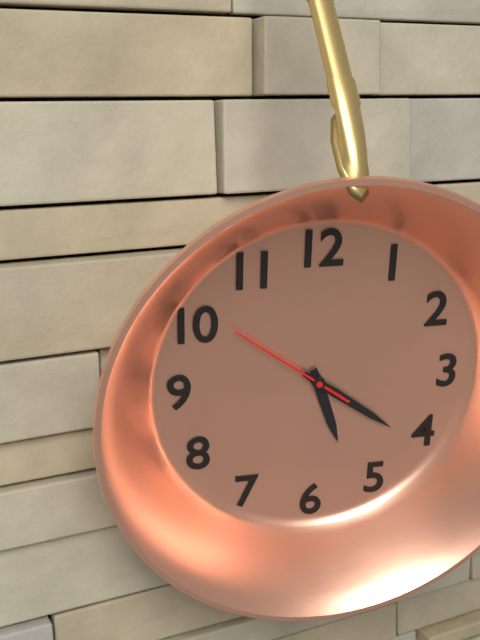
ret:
5.21.51
